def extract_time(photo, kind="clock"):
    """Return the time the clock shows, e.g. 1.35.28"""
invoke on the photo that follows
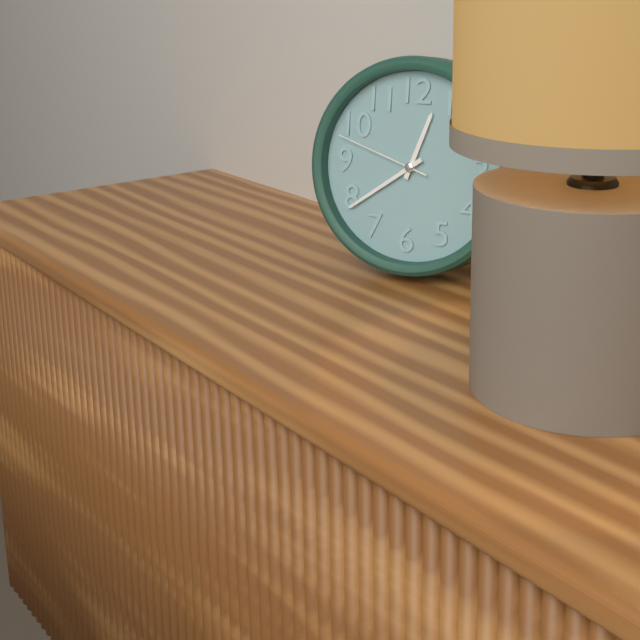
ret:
12.39.48
